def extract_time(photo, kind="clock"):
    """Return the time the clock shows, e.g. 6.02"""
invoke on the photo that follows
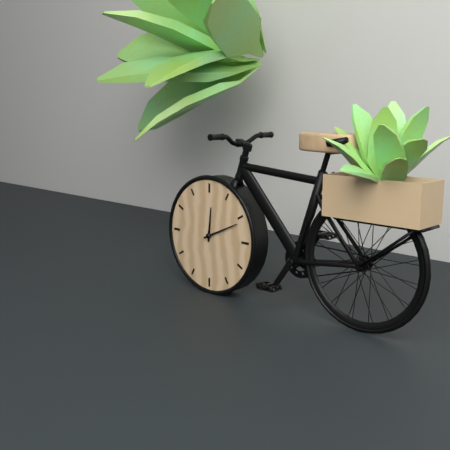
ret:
12.11
